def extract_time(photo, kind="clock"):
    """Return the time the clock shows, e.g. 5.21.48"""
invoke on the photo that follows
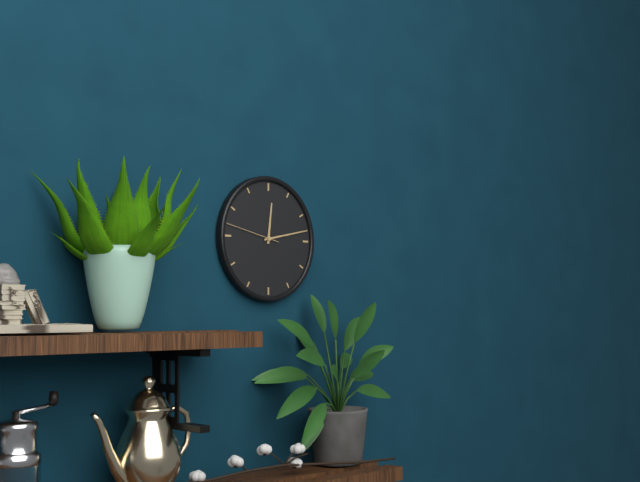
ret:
12.13.47
